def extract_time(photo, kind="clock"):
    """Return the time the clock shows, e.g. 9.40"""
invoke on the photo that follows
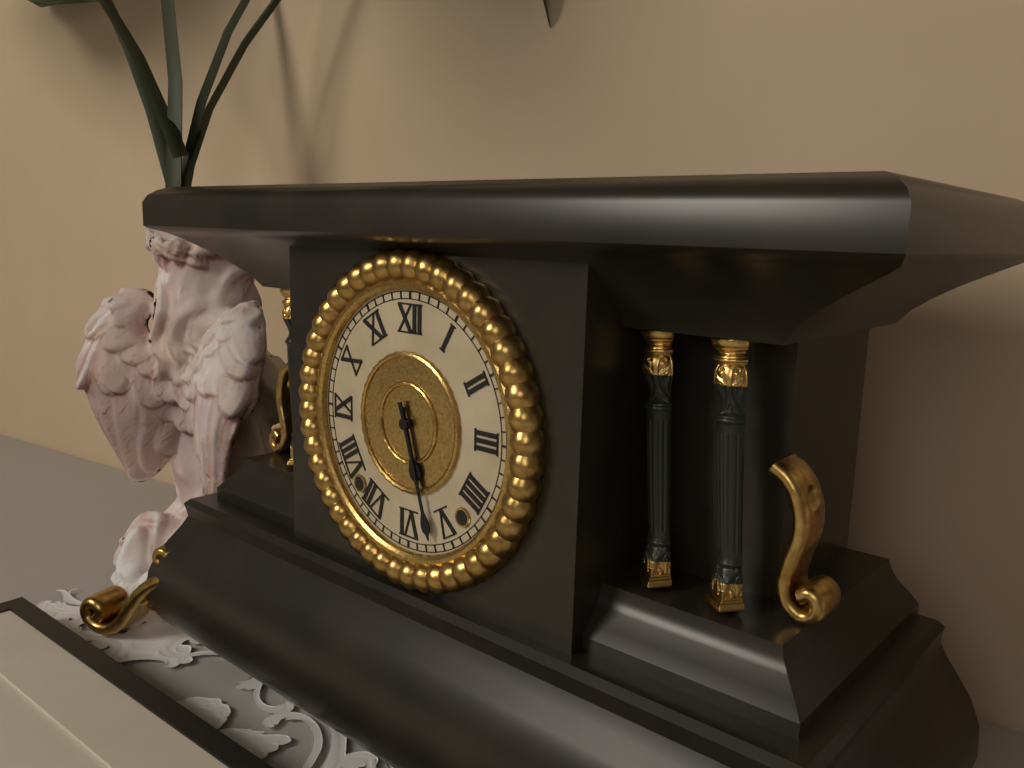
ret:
5.27
